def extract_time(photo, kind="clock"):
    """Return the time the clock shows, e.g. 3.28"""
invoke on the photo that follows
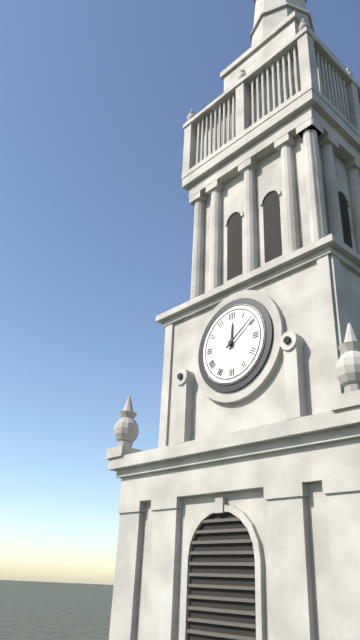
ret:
12.09
